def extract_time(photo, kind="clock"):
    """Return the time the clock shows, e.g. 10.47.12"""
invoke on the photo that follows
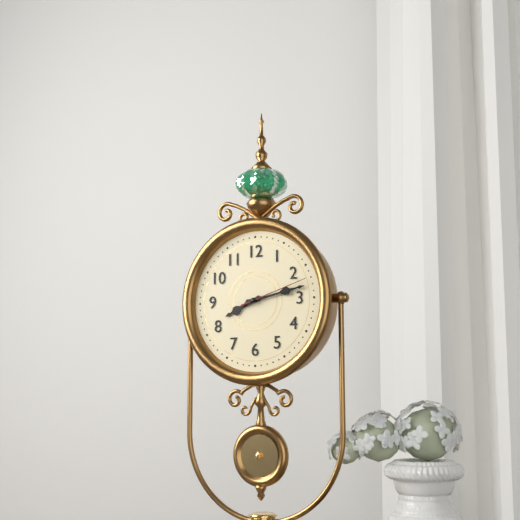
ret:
8.13.12
